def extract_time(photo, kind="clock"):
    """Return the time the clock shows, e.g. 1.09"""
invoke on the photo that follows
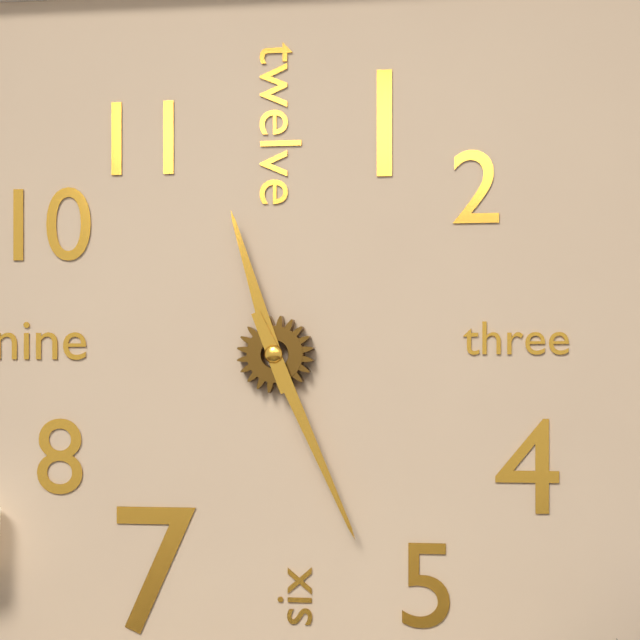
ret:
11.26
